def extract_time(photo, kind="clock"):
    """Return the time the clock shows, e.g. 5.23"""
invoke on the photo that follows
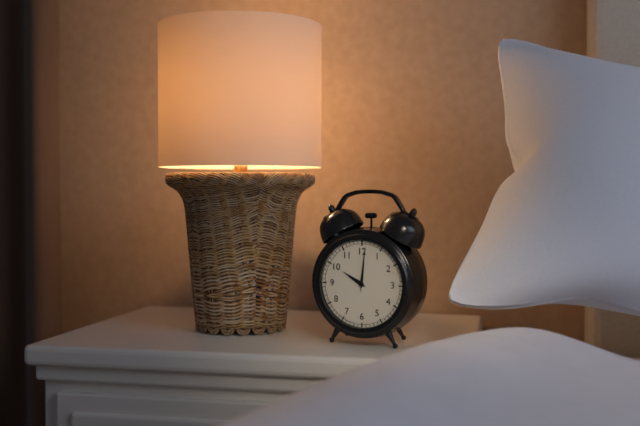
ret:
10.01
